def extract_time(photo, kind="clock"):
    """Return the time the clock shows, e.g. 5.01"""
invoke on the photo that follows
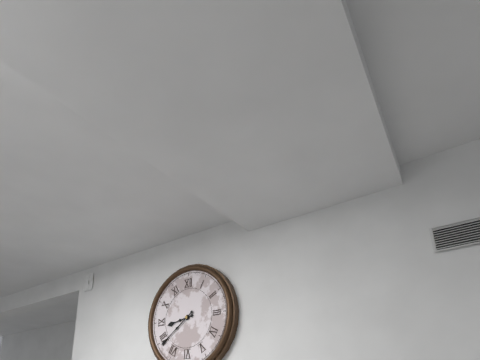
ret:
8.39
